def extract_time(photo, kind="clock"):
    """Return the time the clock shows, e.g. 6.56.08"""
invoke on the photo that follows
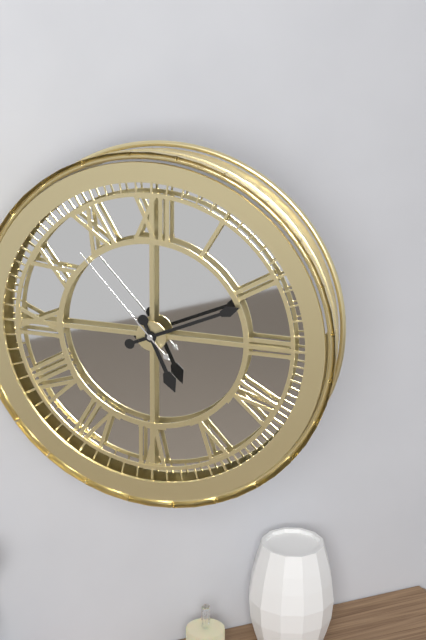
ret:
5.11.53
